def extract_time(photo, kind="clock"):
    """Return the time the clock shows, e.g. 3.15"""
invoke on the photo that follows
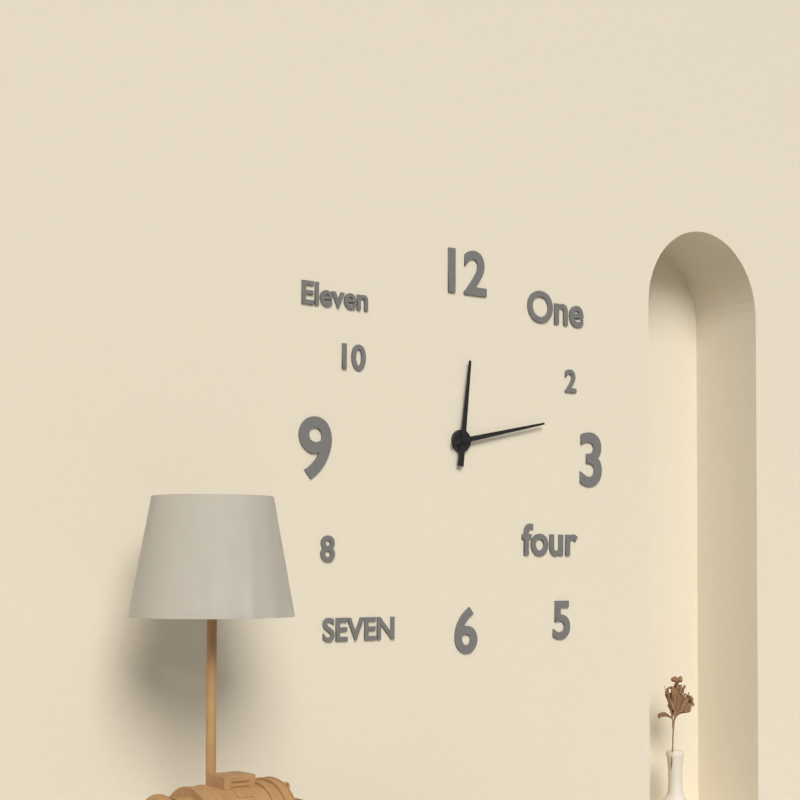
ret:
12.13
